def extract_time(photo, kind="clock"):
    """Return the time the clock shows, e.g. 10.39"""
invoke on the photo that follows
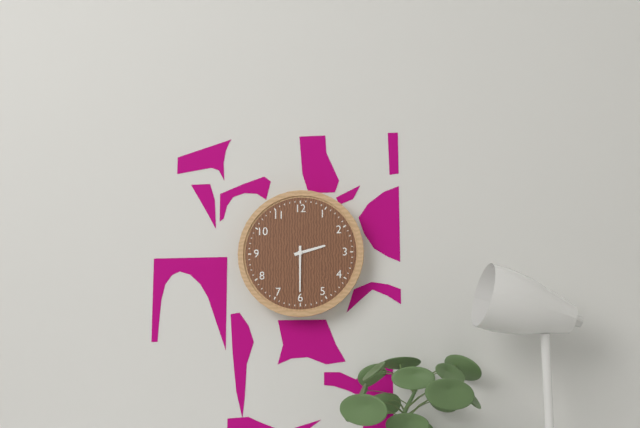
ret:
2.30
